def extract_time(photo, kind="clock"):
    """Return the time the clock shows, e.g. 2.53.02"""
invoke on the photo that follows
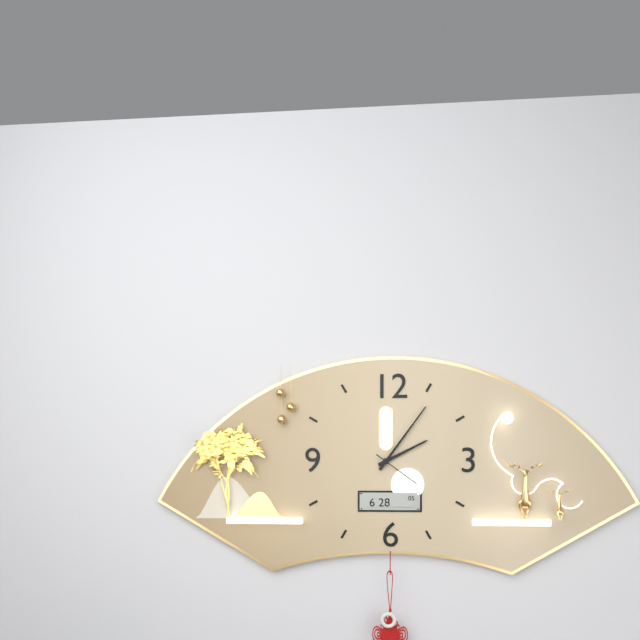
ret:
2.06.21
